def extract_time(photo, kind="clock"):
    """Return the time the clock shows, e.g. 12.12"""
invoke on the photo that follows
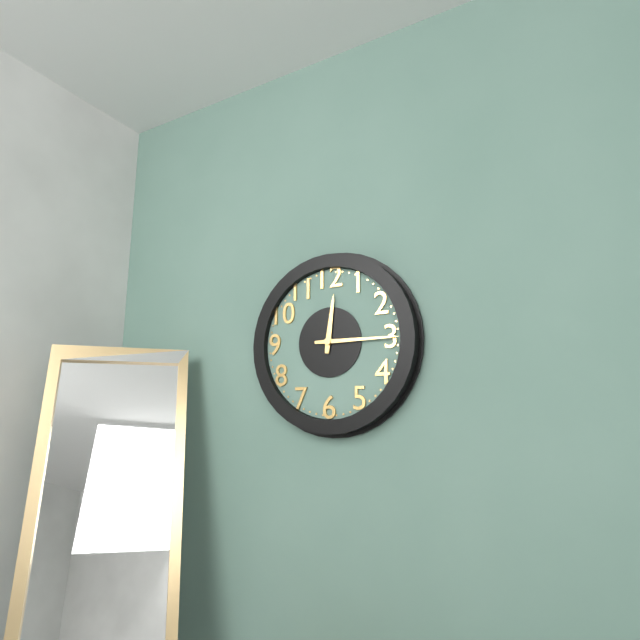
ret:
12.15
